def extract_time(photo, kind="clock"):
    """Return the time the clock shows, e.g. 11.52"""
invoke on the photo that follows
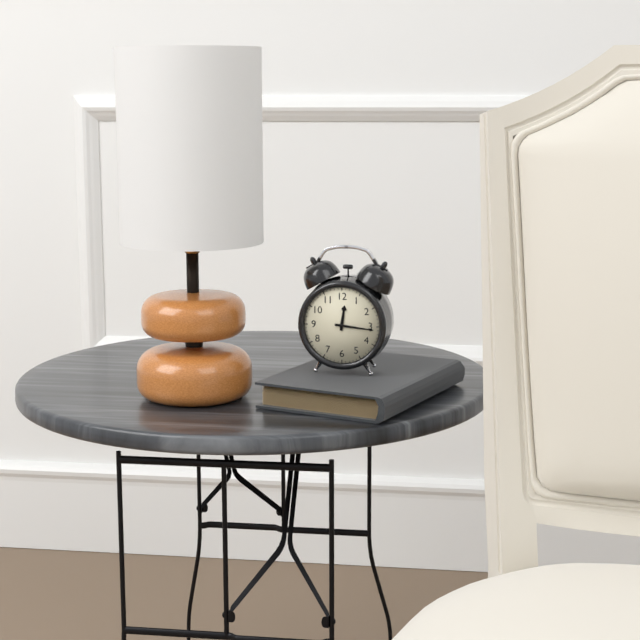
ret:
12.16
